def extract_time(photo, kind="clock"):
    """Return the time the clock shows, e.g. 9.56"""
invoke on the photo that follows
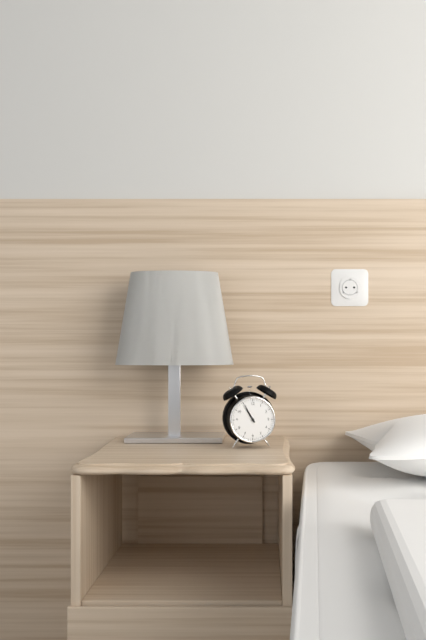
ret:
10.55
